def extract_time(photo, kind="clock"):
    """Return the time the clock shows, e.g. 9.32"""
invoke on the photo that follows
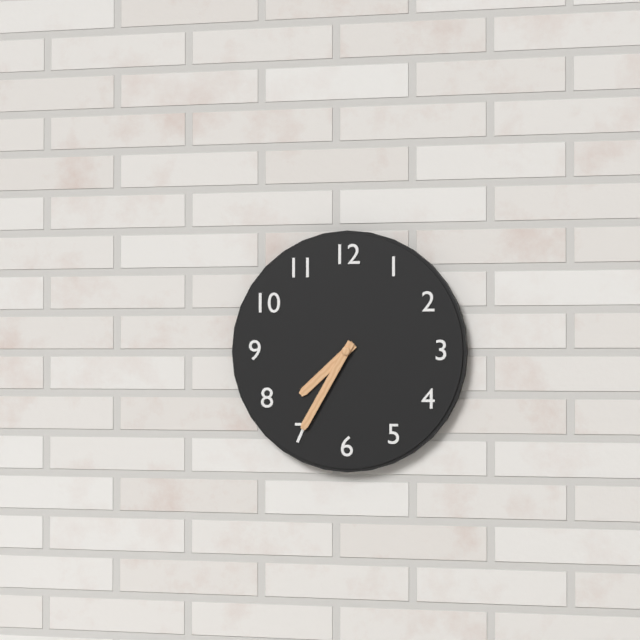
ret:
7.35
